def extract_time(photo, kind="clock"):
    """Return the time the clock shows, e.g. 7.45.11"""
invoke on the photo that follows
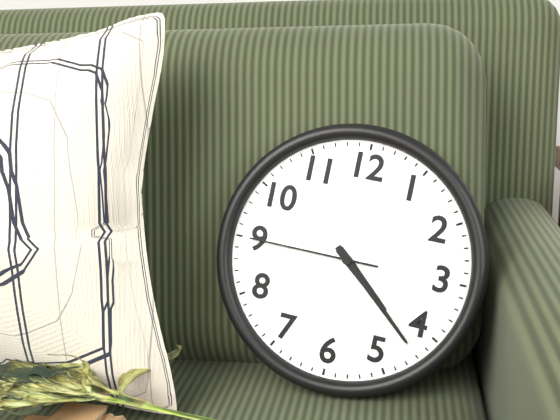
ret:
4.22.45
